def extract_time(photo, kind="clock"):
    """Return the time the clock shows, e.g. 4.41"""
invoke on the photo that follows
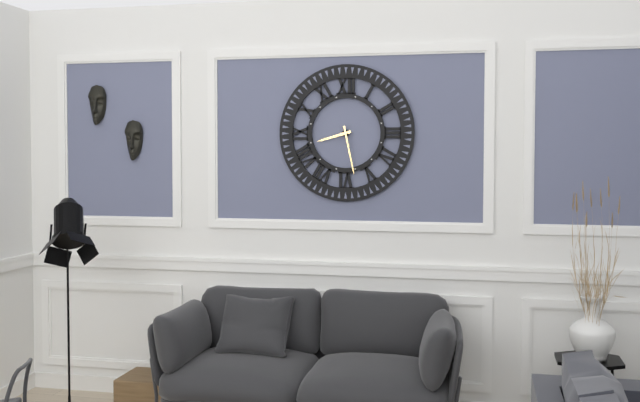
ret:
8.28
